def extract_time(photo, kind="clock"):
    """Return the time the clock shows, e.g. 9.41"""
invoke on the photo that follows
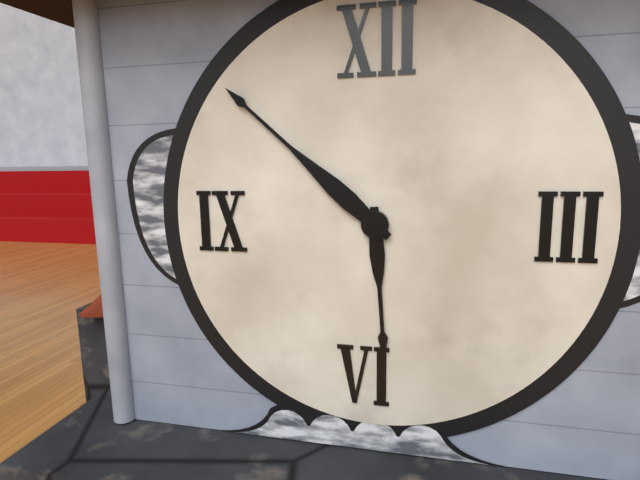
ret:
5.52
